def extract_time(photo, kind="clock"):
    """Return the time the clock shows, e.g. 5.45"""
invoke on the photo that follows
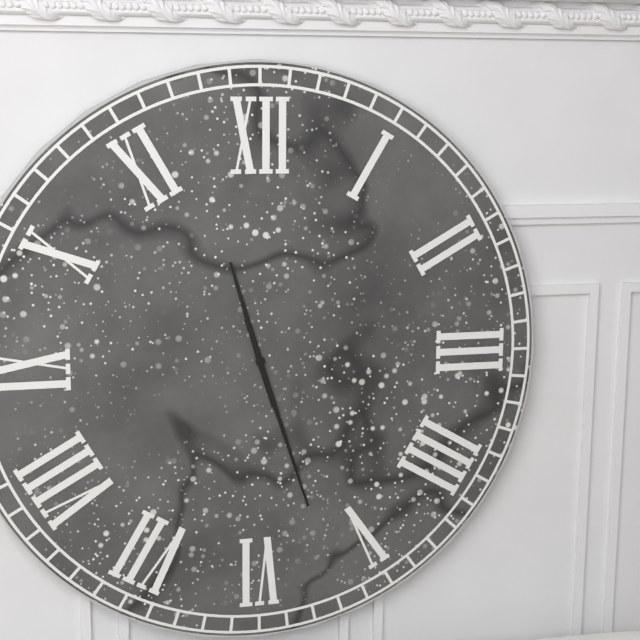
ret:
11.27
